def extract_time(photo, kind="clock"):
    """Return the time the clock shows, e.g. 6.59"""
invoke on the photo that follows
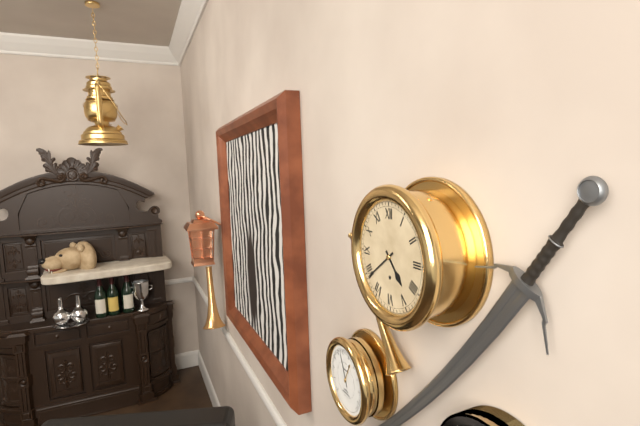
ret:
4.39
